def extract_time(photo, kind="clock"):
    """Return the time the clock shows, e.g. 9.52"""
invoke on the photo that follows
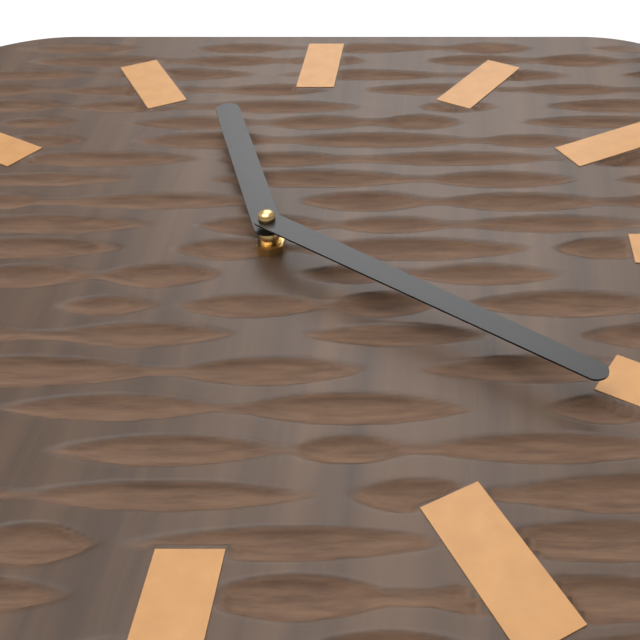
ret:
11.21
